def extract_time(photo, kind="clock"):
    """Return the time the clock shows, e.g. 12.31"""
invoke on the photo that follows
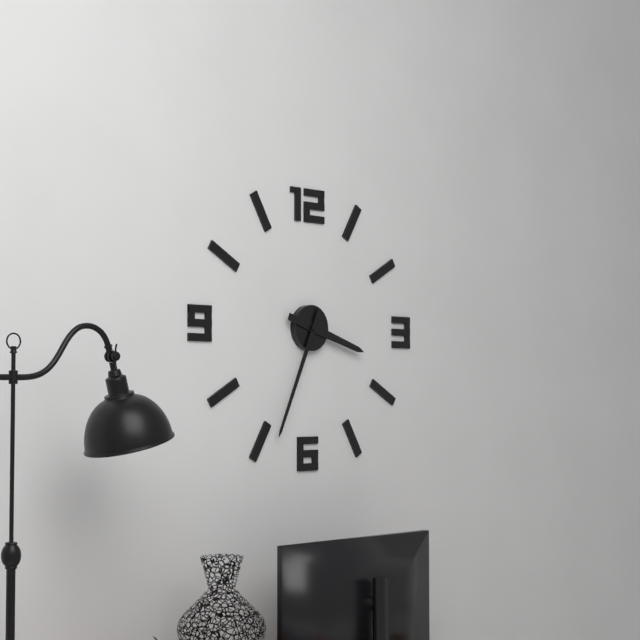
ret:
3.34
